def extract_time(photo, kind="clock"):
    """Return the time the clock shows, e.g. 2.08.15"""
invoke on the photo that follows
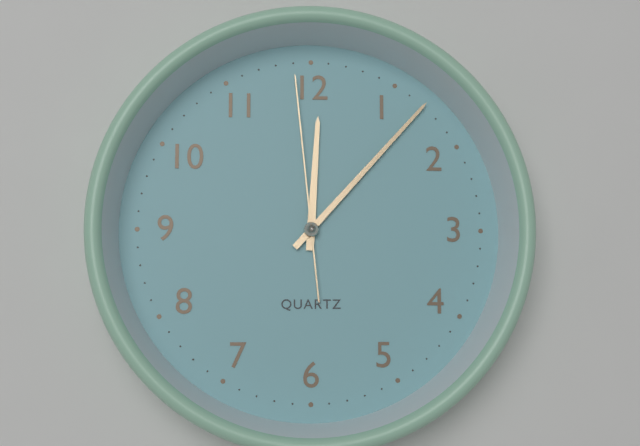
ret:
12.07.59
